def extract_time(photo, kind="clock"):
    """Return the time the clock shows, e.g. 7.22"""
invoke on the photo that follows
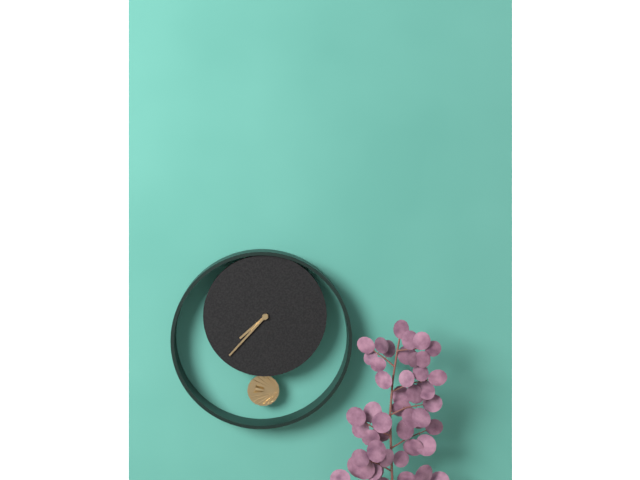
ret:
7.37
